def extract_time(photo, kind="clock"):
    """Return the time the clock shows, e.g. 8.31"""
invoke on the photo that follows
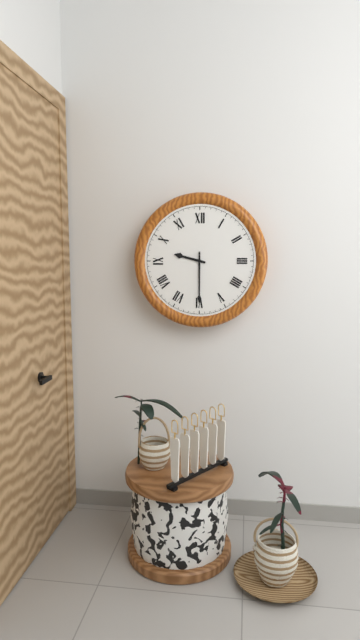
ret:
9.30
